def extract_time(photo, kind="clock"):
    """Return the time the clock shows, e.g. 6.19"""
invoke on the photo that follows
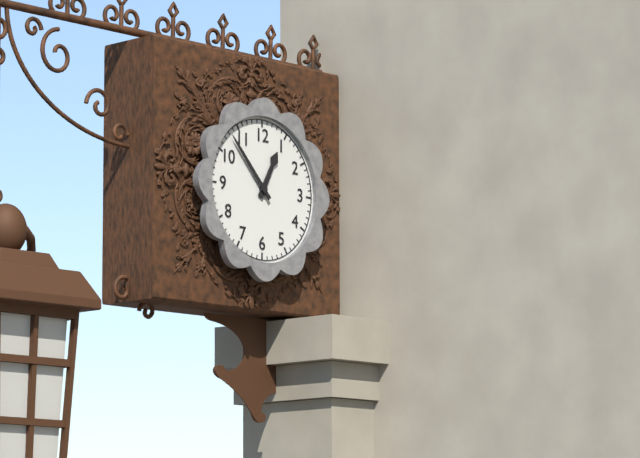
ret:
12.53
